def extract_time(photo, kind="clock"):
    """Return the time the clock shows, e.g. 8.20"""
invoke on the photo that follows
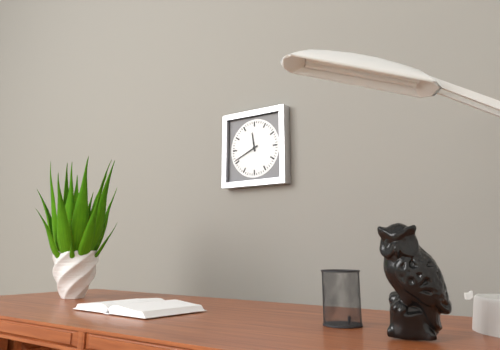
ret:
11.41
